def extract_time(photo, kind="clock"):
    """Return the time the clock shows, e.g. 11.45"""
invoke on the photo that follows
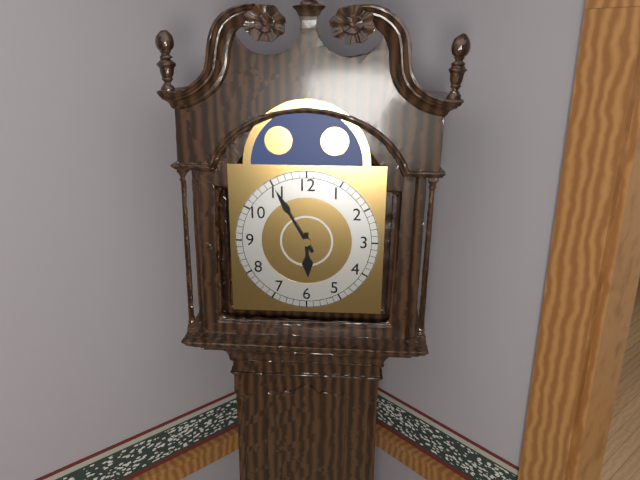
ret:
5.55
